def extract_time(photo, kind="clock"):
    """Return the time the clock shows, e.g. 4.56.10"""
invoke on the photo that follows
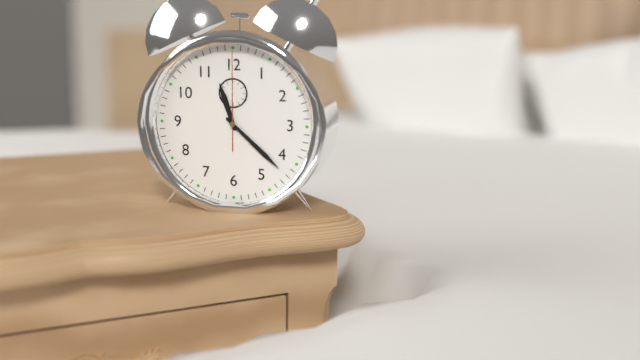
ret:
11.22.00
